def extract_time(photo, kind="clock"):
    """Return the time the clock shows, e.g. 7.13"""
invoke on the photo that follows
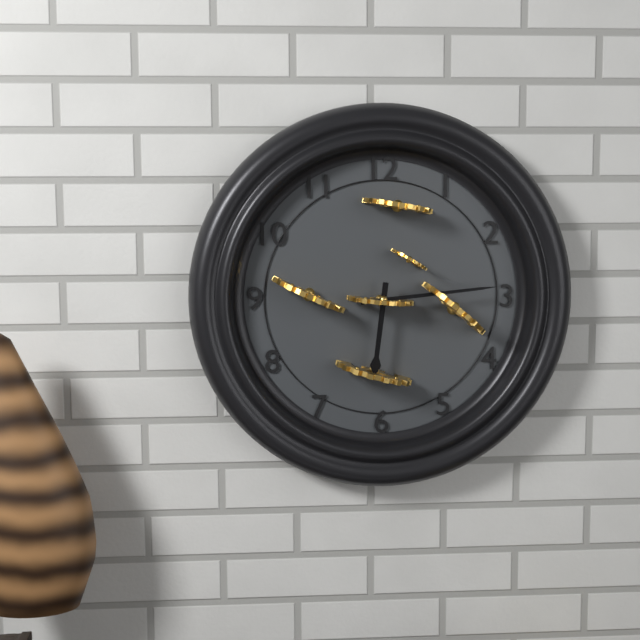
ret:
6.14
